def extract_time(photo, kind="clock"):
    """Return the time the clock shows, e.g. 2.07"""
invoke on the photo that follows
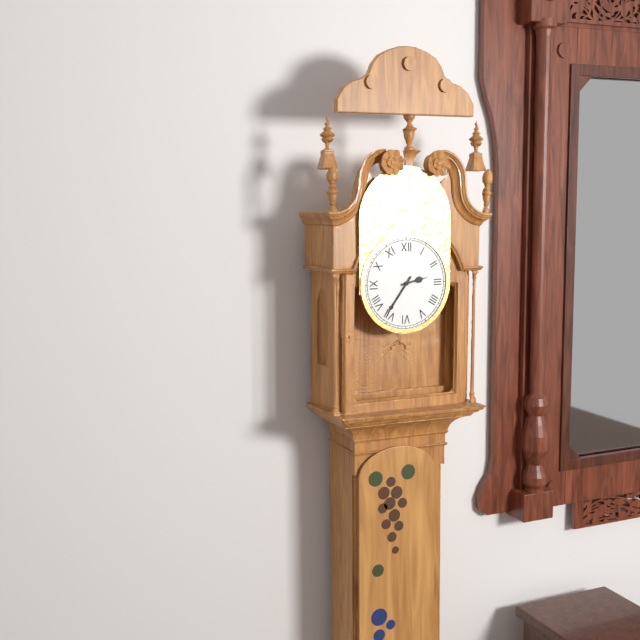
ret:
2.36
